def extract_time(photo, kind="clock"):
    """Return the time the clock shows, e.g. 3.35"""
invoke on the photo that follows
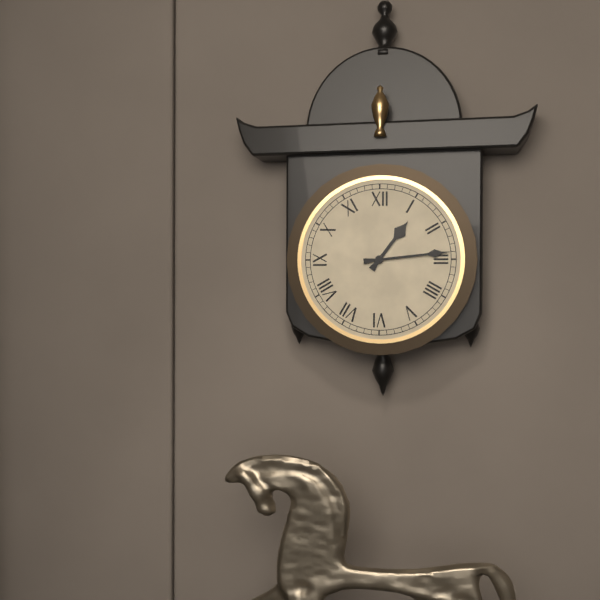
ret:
1.14
